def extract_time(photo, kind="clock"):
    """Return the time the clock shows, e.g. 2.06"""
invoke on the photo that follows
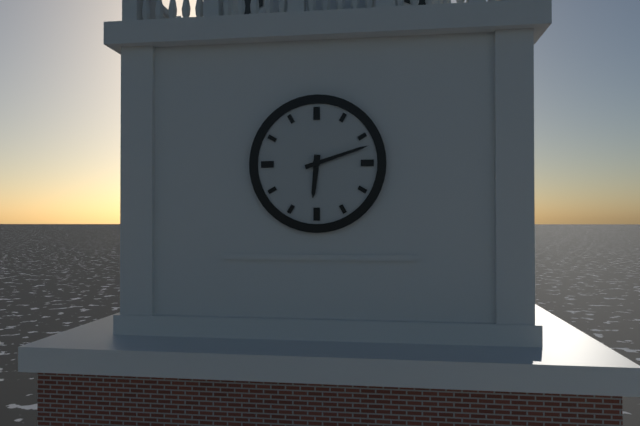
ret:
6.12
